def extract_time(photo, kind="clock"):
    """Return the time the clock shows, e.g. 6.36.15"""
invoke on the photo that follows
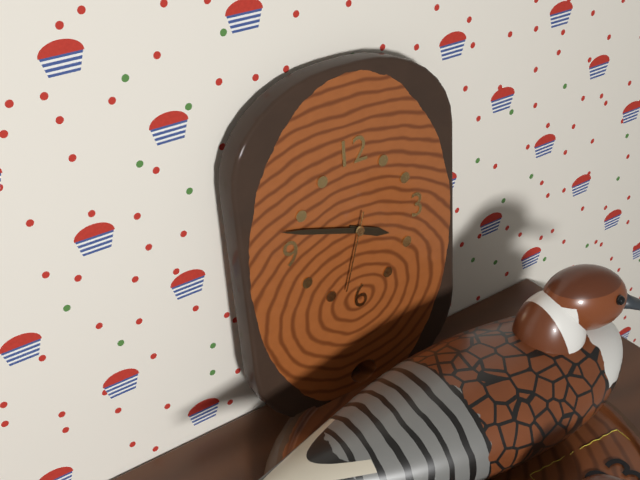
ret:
3.48.33
